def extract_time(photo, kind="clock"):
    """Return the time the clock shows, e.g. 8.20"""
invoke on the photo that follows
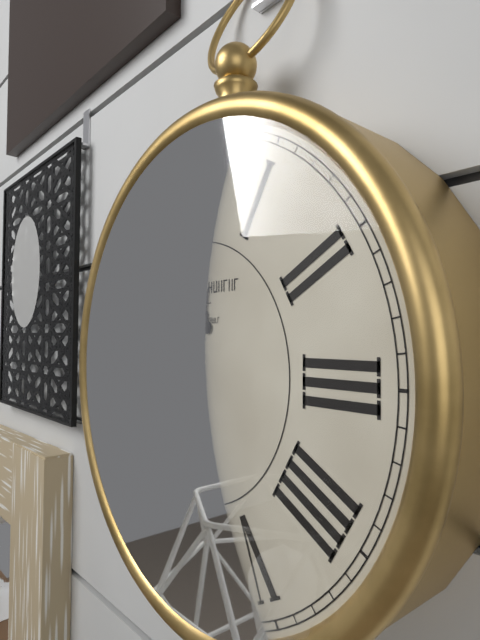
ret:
12.29
